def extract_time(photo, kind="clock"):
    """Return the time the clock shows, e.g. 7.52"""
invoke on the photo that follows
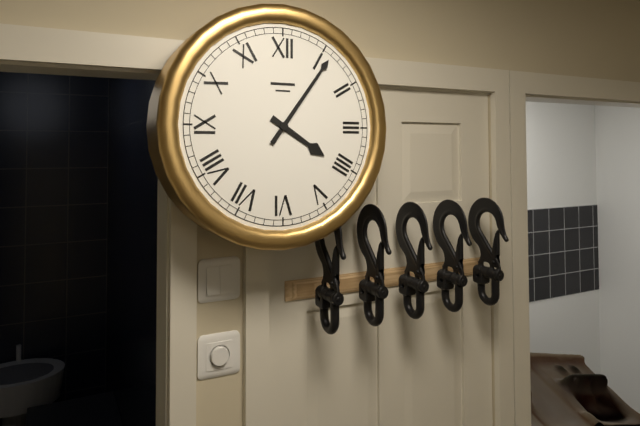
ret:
4.06
